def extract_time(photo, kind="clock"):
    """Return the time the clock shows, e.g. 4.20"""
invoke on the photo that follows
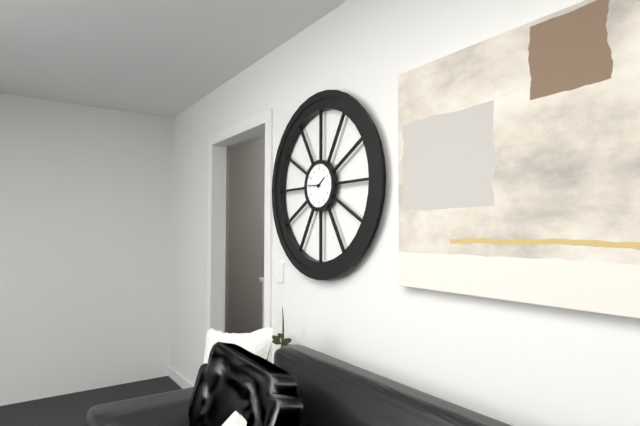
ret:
1.46
